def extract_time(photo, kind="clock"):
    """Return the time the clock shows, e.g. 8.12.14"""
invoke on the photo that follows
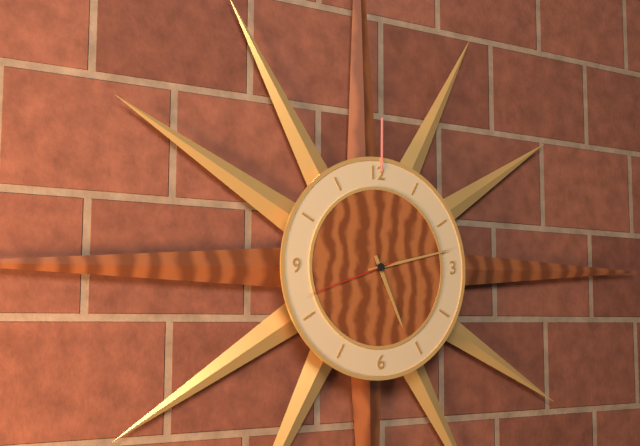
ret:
5.13.42
